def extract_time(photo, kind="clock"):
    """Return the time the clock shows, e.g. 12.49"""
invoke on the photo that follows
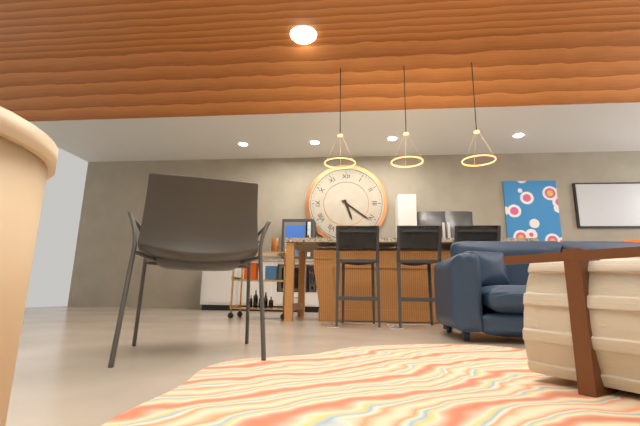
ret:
5.21
